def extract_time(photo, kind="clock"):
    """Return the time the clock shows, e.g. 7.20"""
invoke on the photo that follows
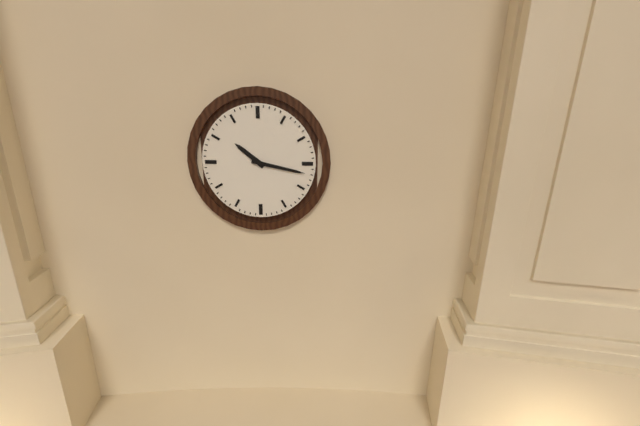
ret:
10.17
